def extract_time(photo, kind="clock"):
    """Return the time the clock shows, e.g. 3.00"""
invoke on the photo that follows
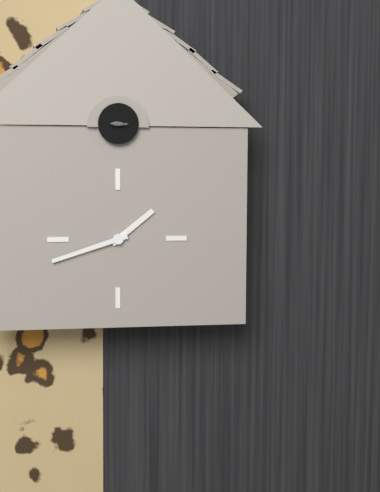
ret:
1.42
